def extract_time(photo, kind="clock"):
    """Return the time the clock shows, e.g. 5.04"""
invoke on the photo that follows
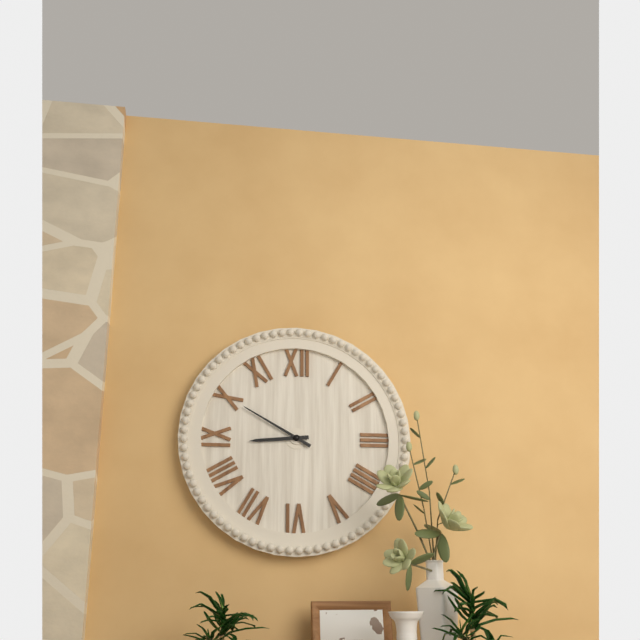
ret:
8.50
